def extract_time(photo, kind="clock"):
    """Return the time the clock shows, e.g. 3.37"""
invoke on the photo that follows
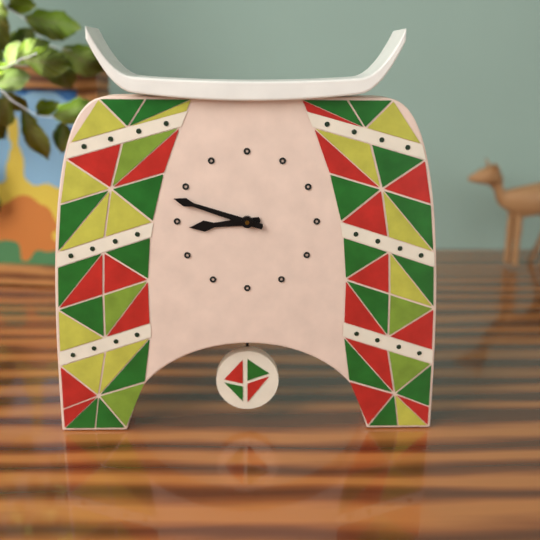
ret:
8.48
